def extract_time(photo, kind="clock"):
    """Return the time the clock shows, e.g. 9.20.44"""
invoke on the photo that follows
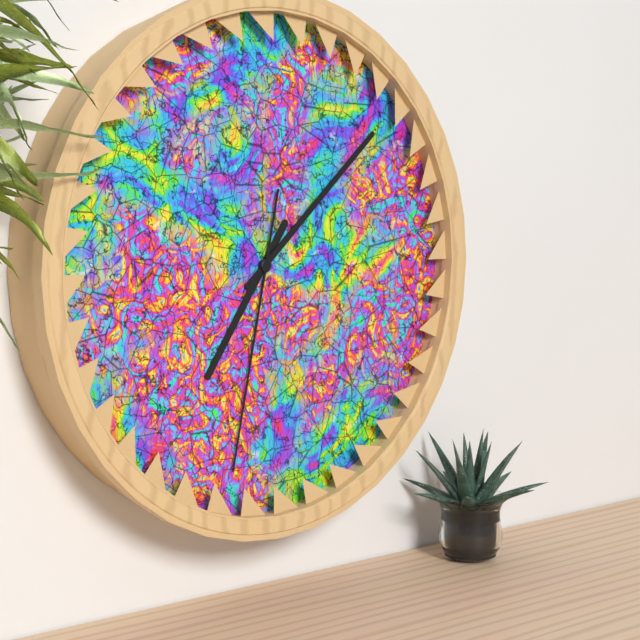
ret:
7.08.32
